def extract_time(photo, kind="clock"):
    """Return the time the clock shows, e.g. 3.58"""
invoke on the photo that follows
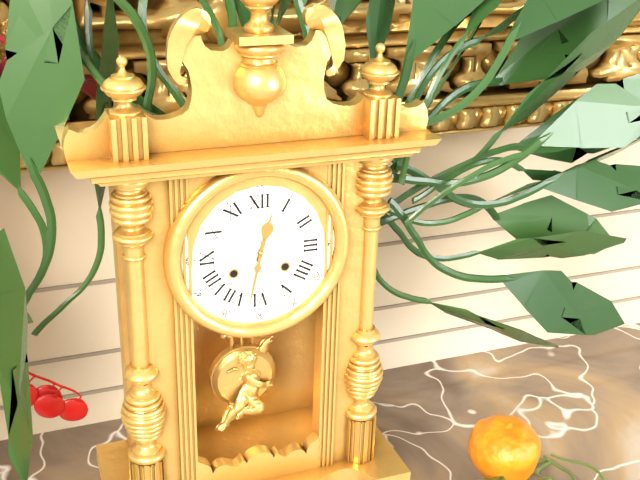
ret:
12.32
